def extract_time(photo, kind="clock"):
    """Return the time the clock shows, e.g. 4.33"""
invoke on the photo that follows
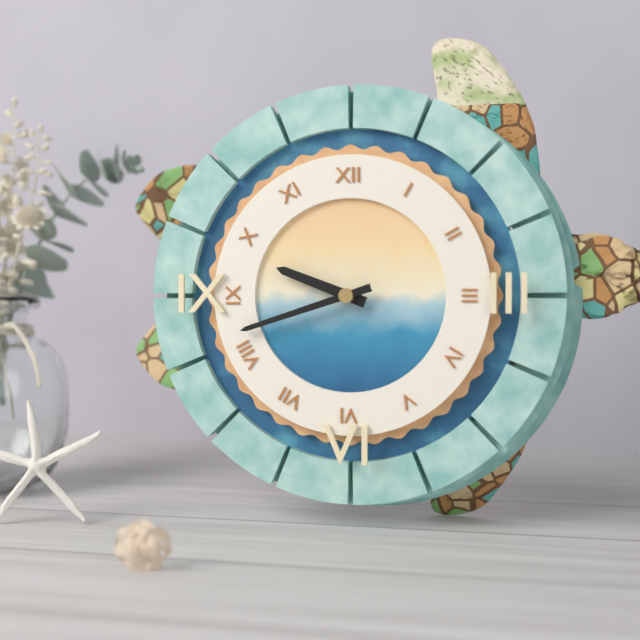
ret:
9.42
